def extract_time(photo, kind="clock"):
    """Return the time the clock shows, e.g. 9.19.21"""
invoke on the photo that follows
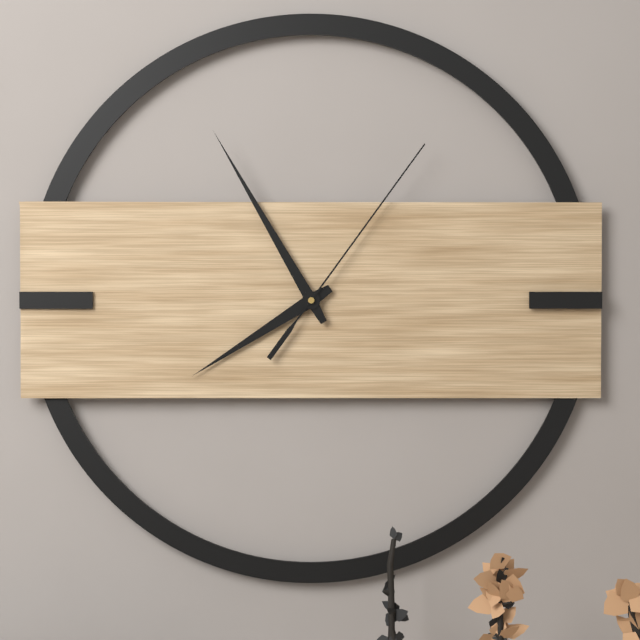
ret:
7.55.06
